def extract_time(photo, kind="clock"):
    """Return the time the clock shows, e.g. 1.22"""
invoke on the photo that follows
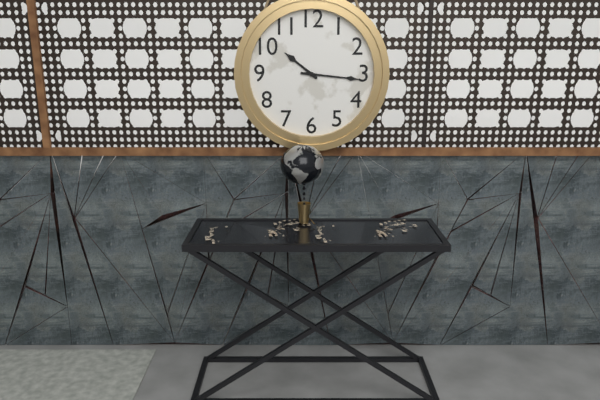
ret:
10.16
